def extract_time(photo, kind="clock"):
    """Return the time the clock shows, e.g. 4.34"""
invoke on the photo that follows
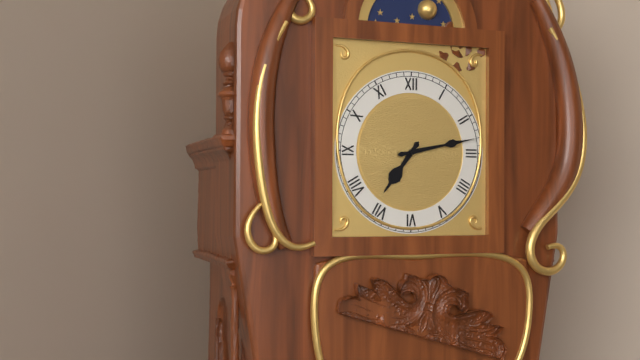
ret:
7.13
